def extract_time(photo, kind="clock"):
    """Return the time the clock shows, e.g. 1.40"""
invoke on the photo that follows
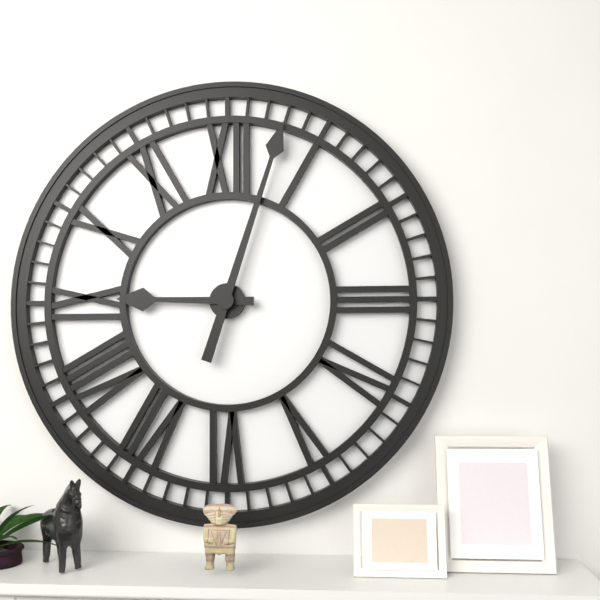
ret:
9.03
